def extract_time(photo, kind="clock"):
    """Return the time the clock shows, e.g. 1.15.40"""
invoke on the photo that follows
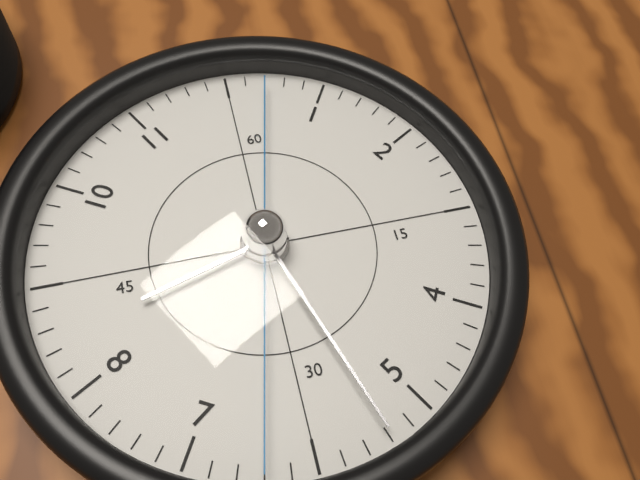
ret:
8.27.32
